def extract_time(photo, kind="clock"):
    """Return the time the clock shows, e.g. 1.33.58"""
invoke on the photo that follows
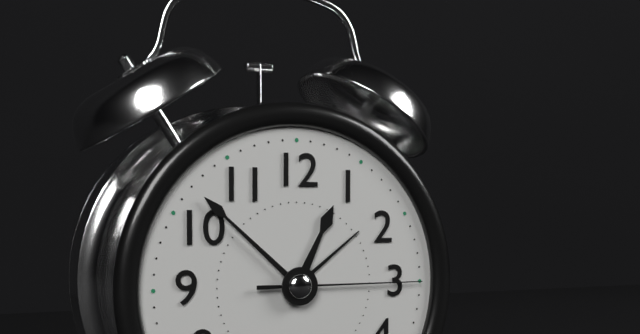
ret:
12.52.15
